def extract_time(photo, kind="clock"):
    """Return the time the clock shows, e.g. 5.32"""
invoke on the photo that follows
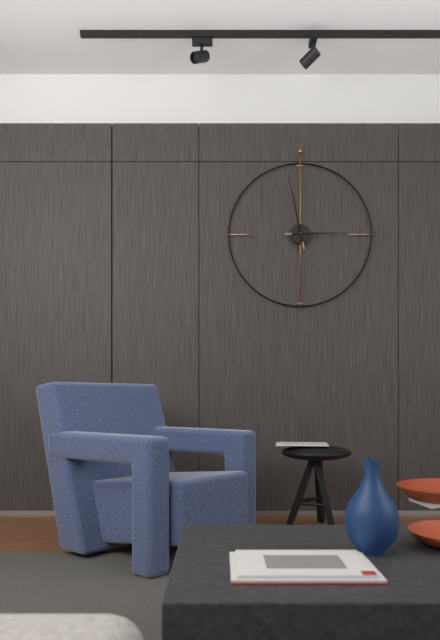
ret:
2.58
